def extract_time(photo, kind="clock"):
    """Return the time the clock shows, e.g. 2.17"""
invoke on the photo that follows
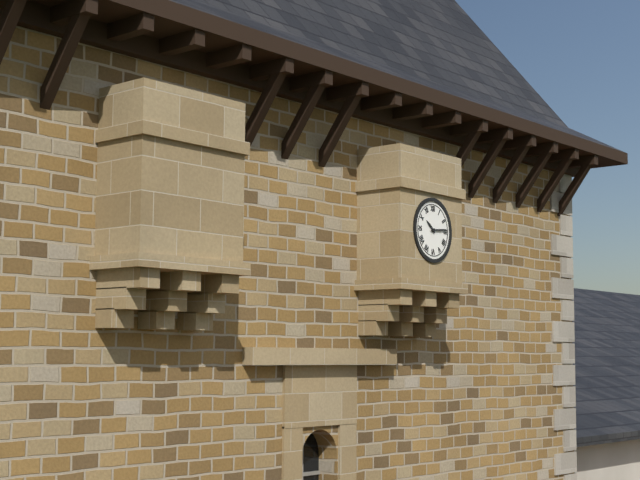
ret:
10.14
